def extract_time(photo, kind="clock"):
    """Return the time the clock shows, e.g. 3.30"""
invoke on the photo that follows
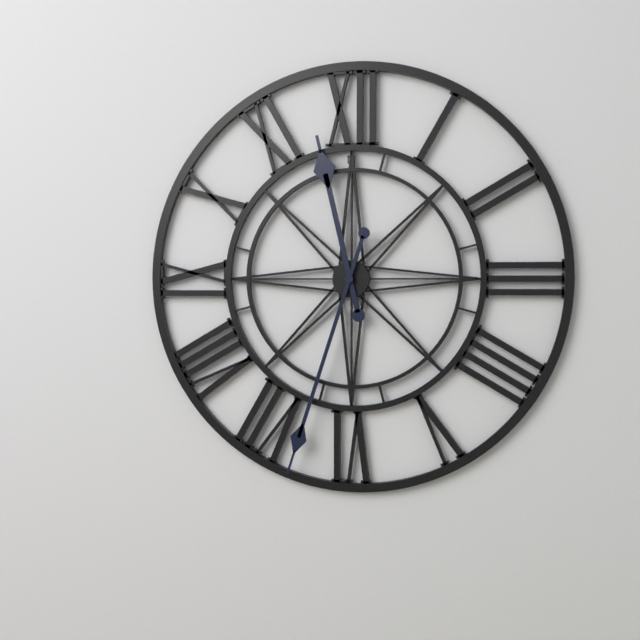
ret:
11.33
